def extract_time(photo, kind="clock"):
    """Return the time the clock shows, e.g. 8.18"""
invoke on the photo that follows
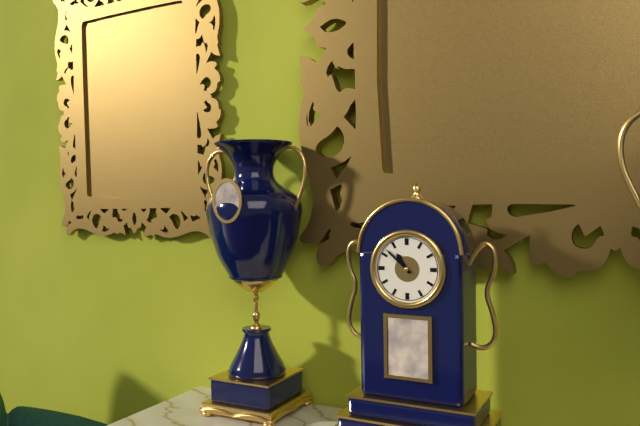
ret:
10.52
